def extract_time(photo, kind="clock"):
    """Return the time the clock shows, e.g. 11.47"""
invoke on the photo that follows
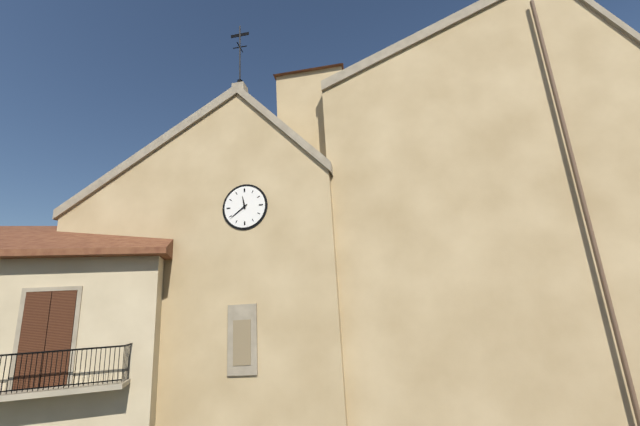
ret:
11.39
